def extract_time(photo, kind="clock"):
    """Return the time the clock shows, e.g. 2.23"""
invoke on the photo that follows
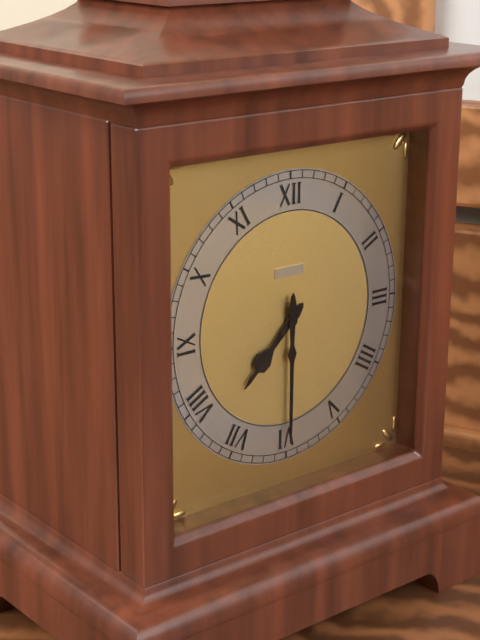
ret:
7.30
